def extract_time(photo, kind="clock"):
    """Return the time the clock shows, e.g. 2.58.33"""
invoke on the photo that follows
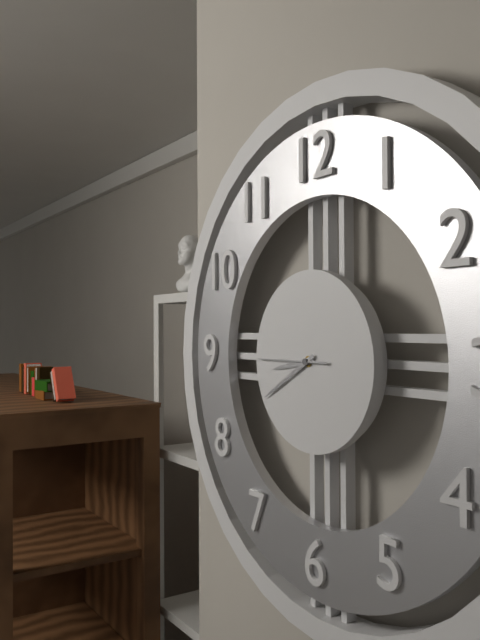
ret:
8.40.45
